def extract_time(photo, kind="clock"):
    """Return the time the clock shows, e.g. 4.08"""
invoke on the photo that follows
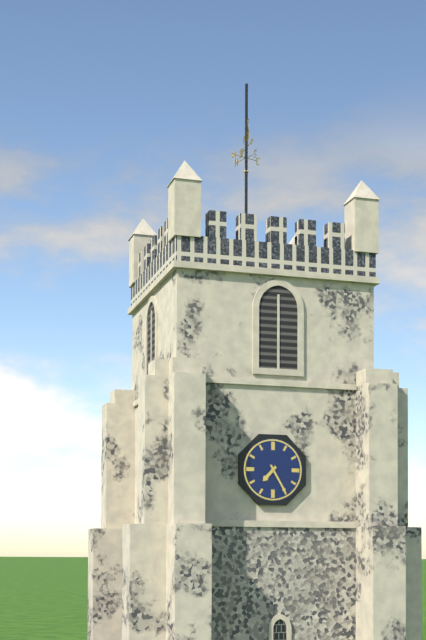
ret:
7.25
